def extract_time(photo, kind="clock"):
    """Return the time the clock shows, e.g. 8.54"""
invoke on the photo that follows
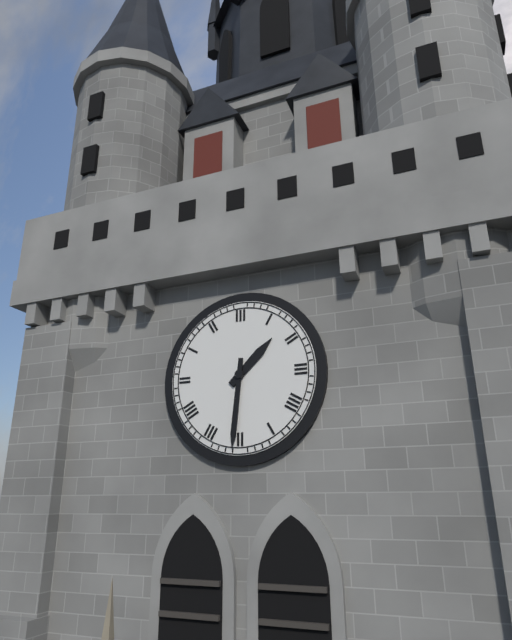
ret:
1.31
